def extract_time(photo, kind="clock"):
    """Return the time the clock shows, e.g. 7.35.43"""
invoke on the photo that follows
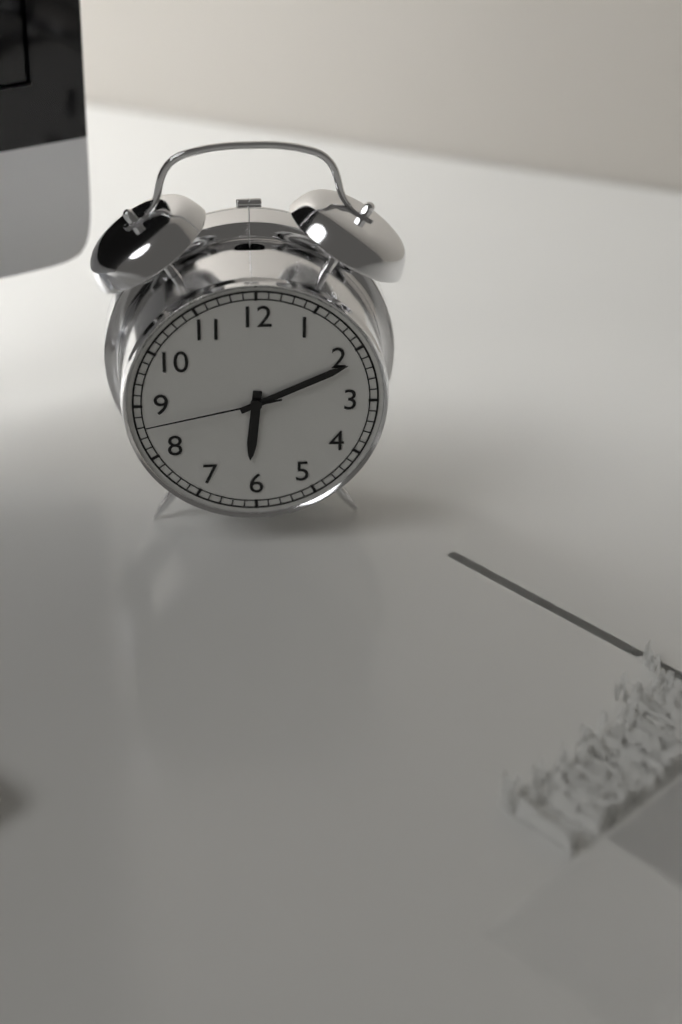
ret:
6.11.43
